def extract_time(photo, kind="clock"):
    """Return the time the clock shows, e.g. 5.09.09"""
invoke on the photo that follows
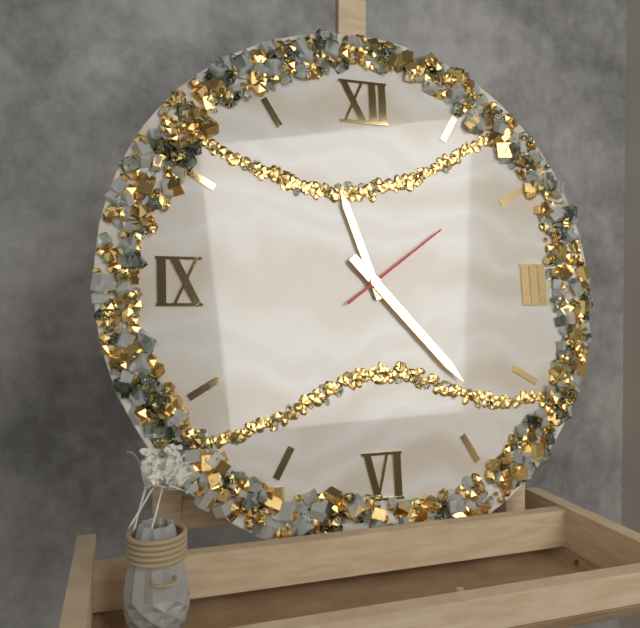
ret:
11.23.09
